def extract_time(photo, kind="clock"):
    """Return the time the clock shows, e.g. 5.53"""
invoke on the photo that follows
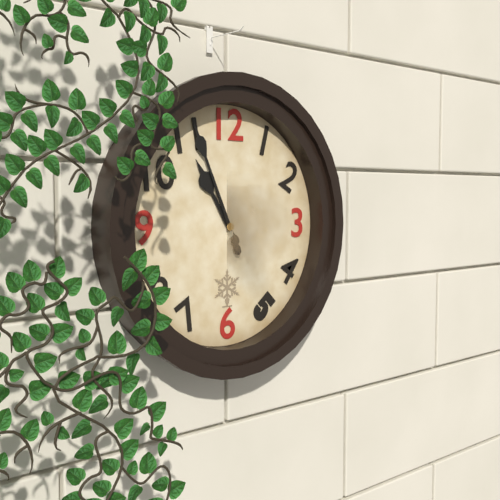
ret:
10.56
